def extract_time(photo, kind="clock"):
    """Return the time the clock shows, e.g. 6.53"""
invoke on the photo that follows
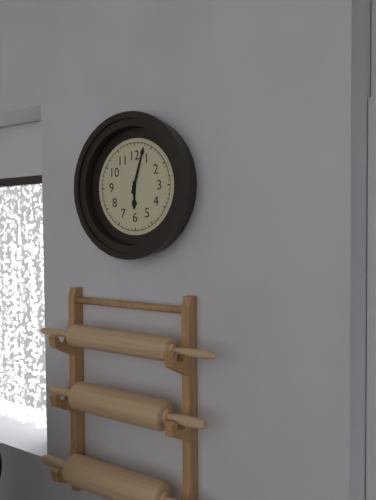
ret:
6.03
